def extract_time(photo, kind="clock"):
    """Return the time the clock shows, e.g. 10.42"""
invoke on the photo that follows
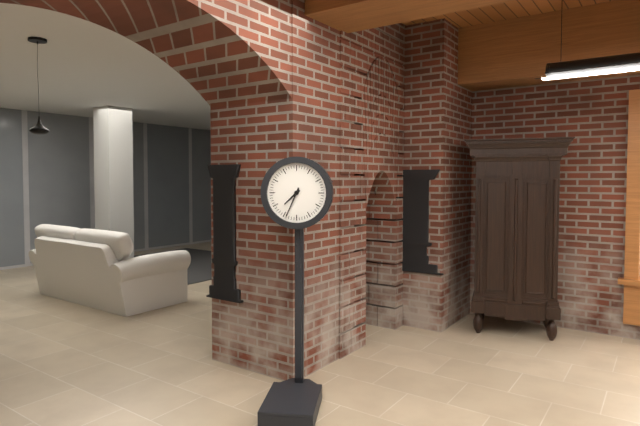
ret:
7.34
